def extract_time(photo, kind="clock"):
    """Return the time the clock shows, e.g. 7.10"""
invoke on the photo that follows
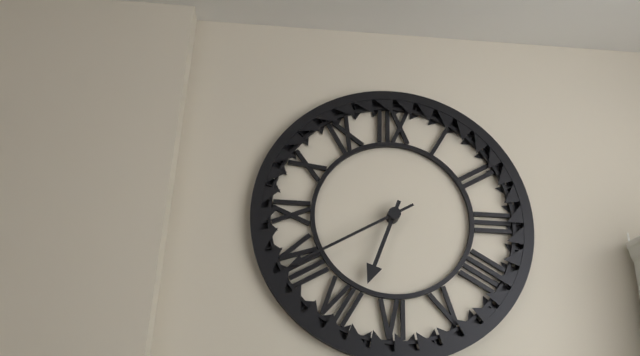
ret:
6.40
